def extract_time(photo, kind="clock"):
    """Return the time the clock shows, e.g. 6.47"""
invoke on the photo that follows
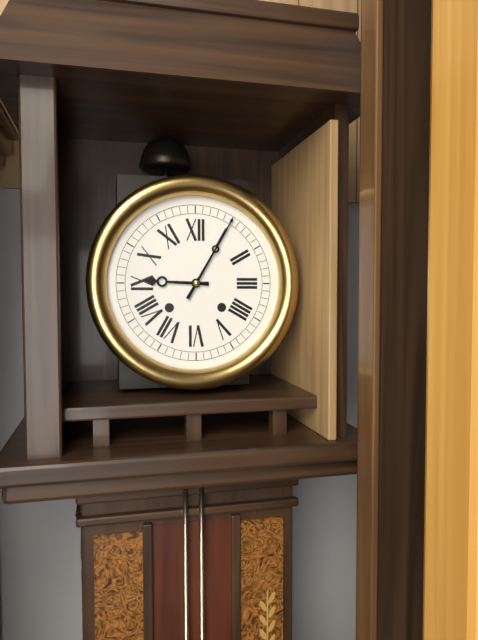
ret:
9.05
